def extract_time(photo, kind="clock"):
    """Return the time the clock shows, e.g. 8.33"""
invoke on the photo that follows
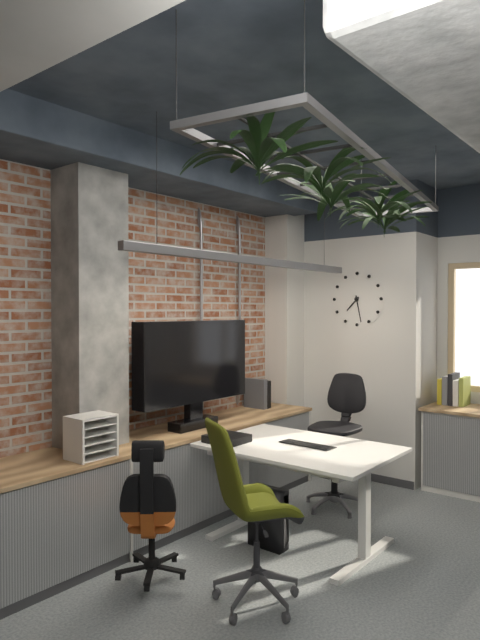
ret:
7.28
